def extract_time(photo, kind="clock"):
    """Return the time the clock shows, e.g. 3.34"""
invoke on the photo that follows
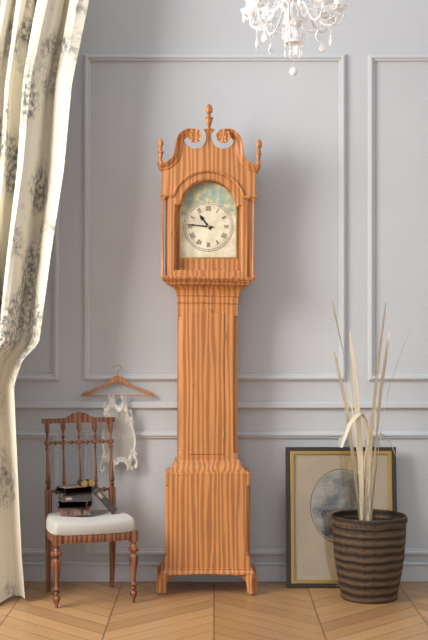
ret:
10.46
